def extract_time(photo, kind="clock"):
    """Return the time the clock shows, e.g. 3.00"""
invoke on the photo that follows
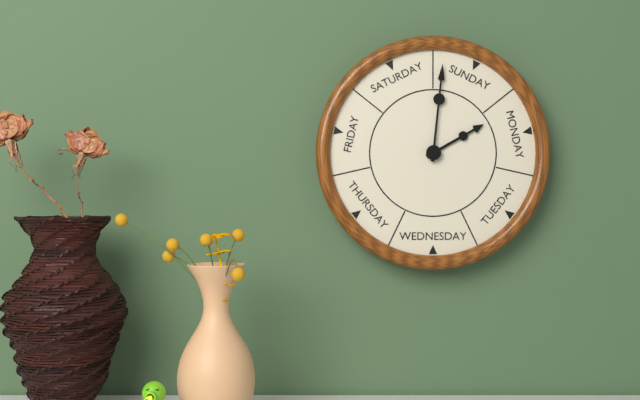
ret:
2.01
